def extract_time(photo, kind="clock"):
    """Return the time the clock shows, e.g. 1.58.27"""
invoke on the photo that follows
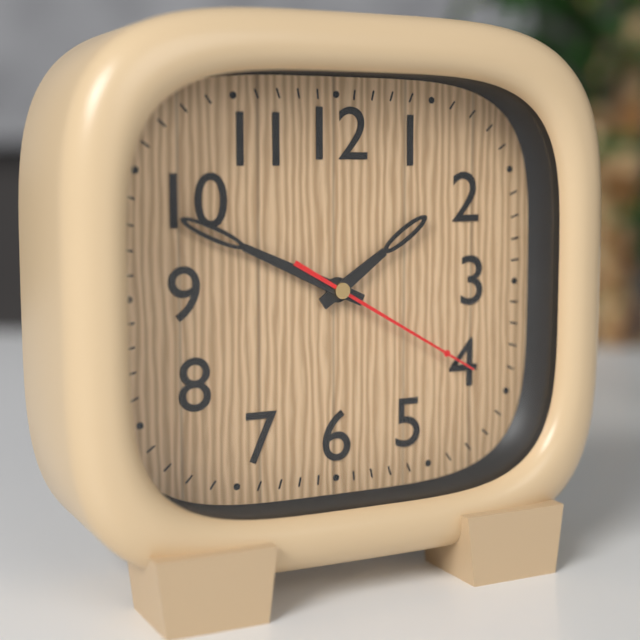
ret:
1.49.20
